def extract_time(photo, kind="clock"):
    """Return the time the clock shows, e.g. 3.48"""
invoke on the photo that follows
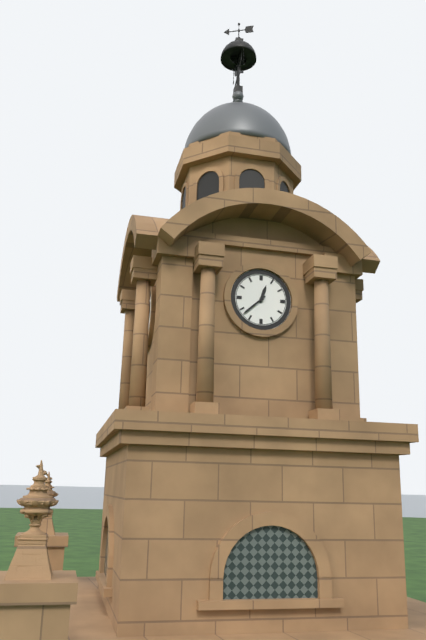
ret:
12.38
